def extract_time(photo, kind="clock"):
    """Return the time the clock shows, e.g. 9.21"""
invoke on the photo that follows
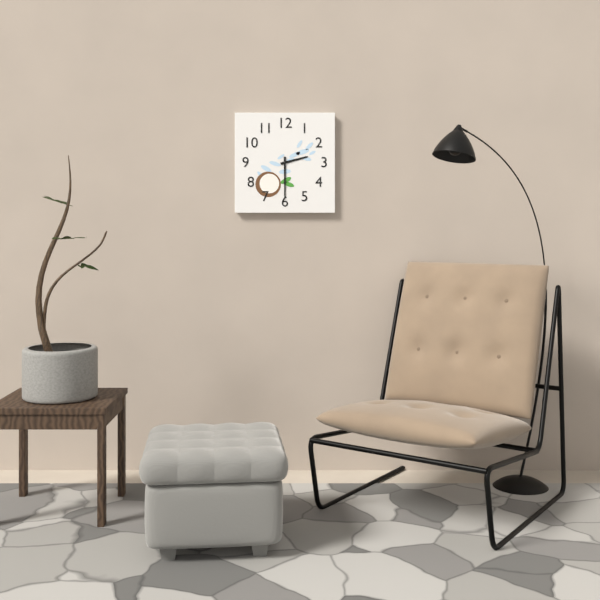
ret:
2.30
